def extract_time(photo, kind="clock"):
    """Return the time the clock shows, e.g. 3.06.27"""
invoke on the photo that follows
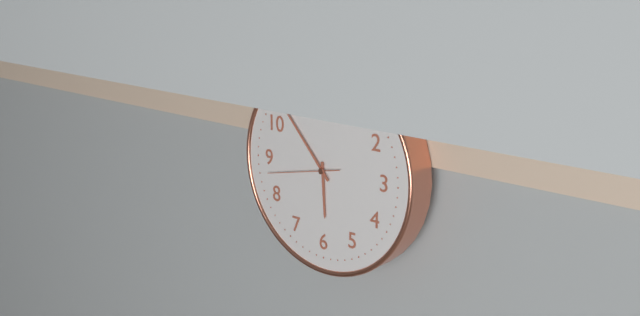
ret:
5.53.43
